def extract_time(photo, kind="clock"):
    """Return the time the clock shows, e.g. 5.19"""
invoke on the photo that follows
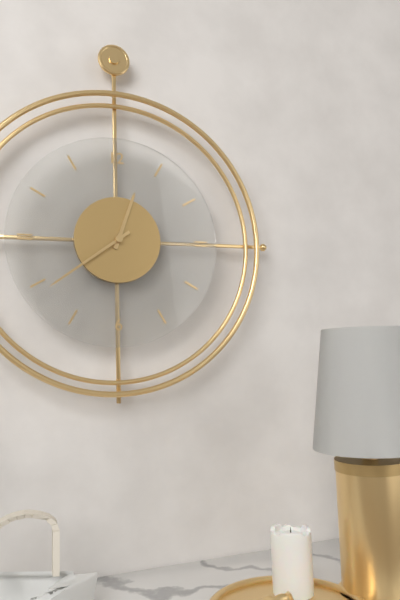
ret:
12.39
